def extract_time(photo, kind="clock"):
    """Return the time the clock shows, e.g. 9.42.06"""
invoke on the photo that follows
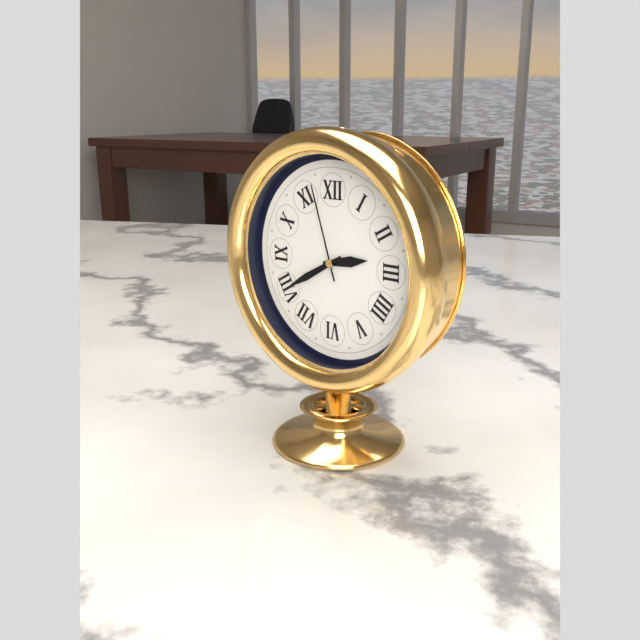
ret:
2.40.57
